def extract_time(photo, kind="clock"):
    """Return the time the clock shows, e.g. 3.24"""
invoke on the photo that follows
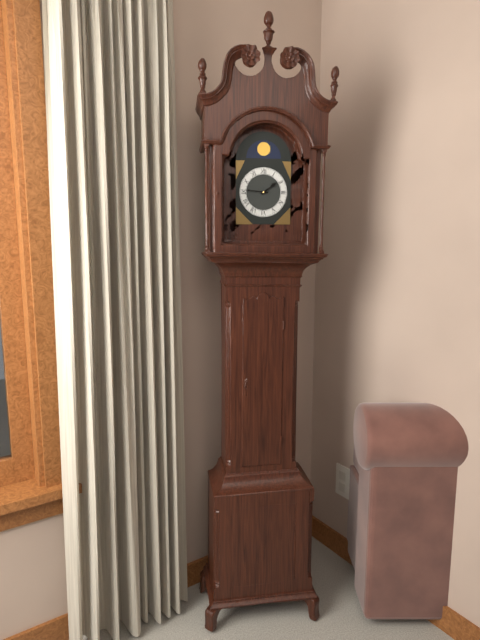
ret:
1.46
